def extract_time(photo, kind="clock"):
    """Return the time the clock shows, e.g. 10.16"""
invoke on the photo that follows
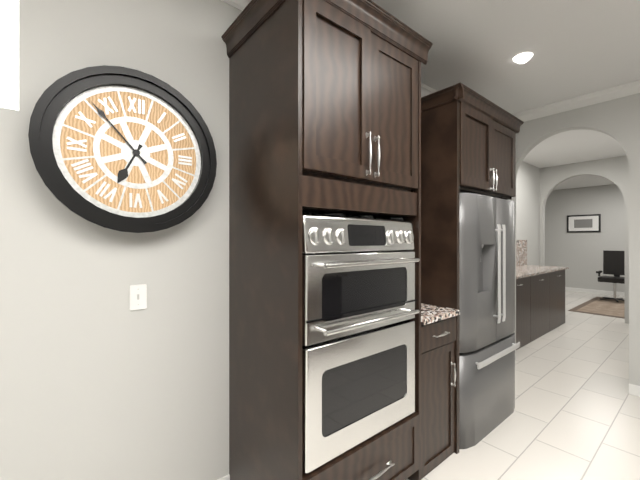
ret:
6.53
